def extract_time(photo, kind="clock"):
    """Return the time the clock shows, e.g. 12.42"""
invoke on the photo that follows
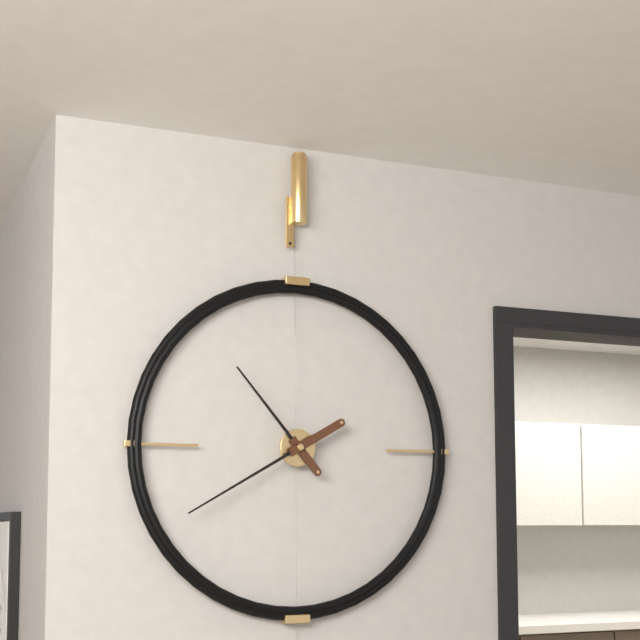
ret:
10.40
